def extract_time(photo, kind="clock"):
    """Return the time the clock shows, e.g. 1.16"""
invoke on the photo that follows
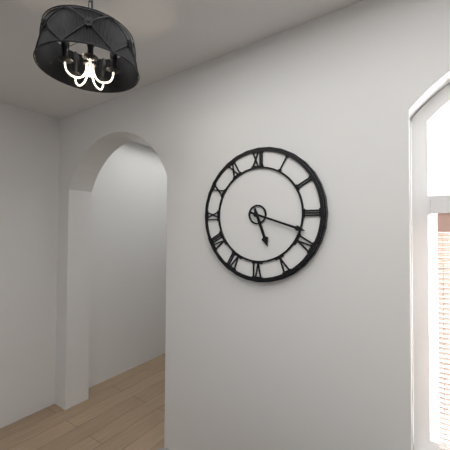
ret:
5.18
